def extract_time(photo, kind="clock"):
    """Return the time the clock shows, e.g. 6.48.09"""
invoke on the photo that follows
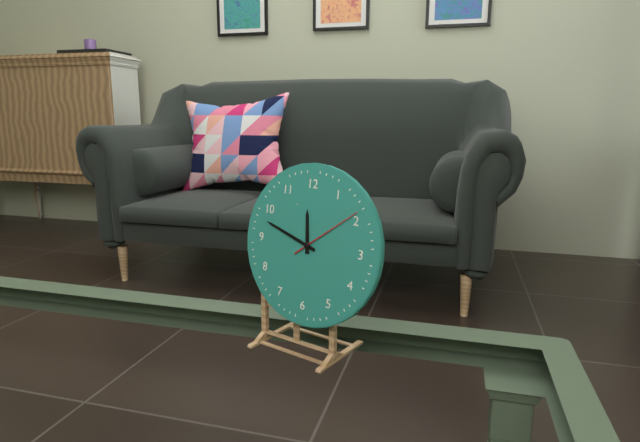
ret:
11.48.09
